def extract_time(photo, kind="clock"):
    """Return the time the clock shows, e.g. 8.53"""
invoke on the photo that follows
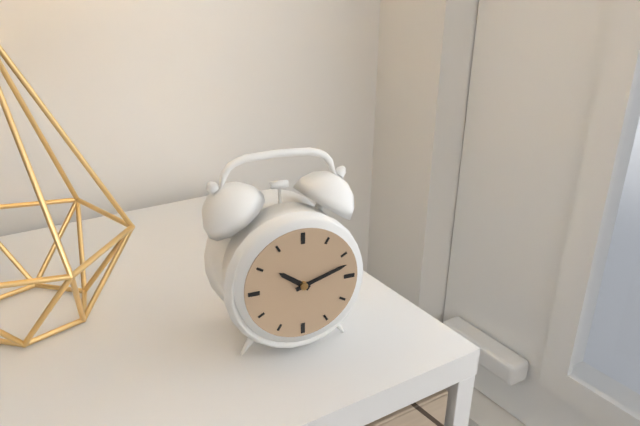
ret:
10.12
